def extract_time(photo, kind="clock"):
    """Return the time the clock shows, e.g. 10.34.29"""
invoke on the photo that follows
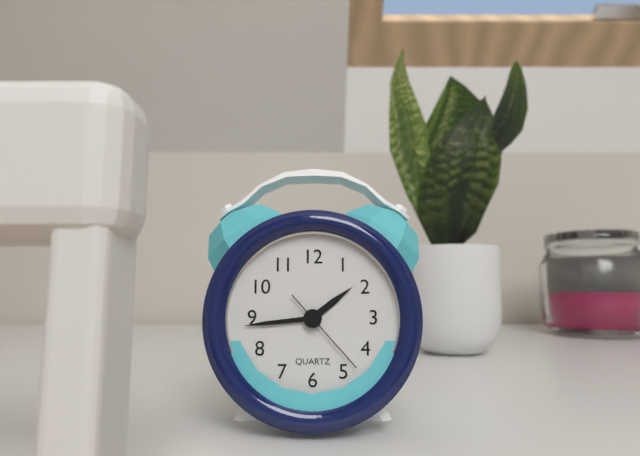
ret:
1.44.23
